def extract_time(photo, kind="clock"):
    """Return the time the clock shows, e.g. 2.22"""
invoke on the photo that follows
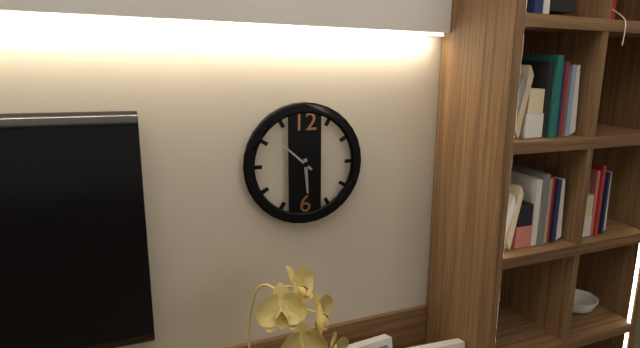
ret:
5.52
